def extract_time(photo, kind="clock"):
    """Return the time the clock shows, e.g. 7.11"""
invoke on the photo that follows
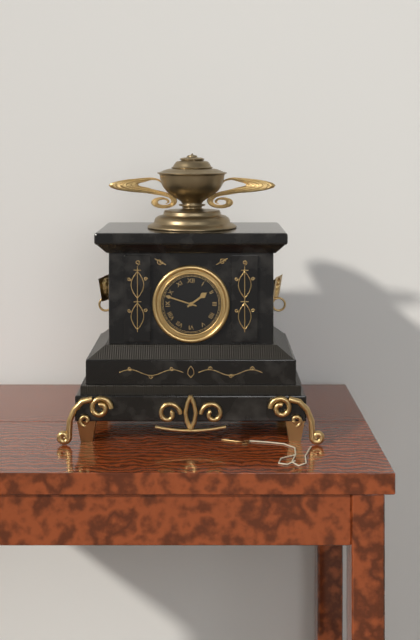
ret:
1.48
